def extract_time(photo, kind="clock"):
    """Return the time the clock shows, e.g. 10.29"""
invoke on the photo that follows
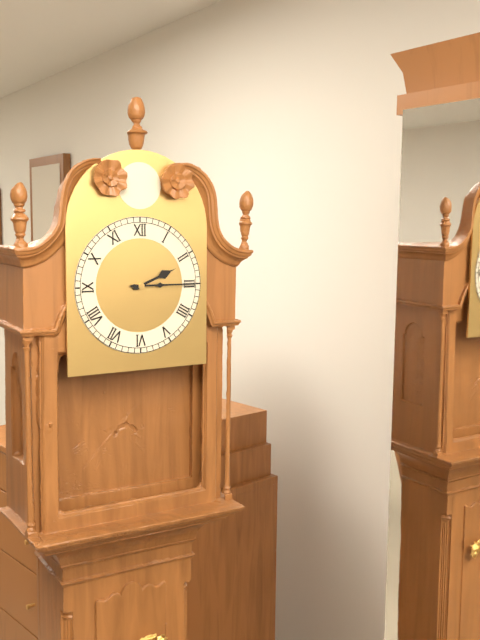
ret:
2.15
